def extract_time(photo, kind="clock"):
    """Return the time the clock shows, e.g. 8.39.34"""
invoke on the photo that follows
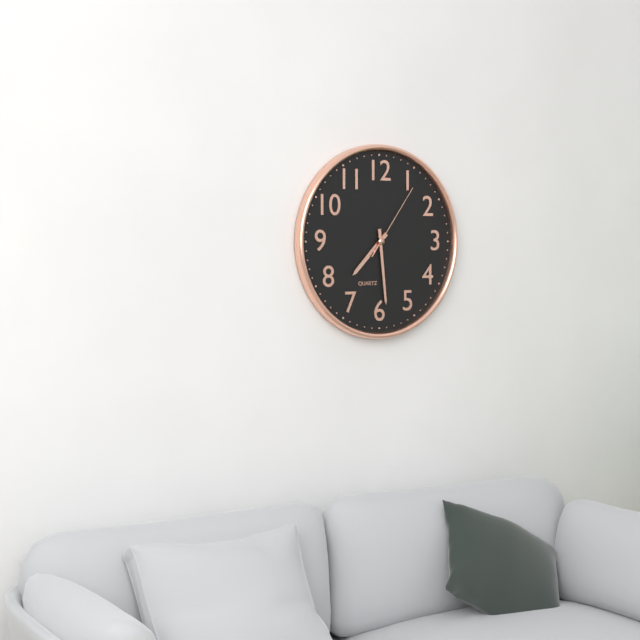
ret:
7.29.06
